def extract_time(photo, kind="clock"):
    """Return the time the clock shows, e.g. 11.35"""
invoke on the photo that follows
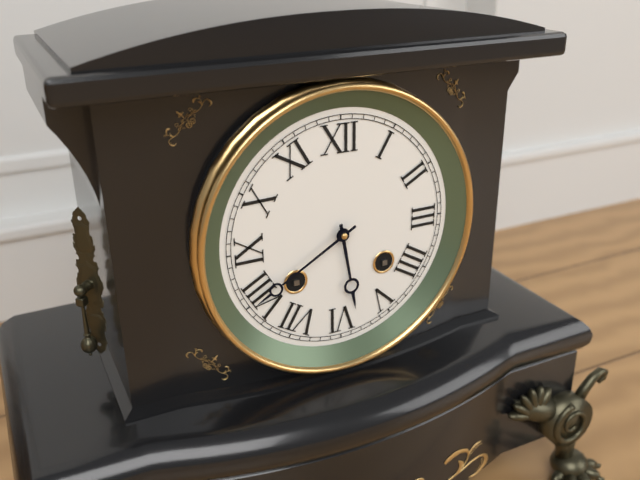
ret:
5.40
